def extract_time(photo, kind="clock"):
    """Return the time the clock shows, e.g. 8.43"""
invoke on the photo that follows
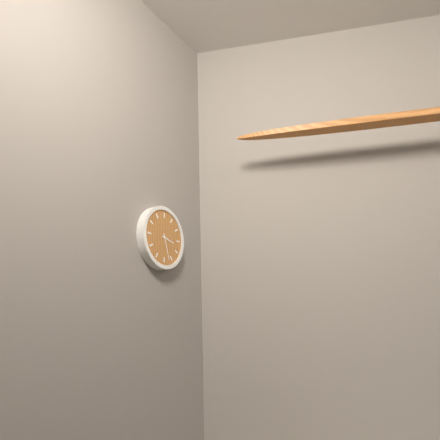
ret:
3.27
